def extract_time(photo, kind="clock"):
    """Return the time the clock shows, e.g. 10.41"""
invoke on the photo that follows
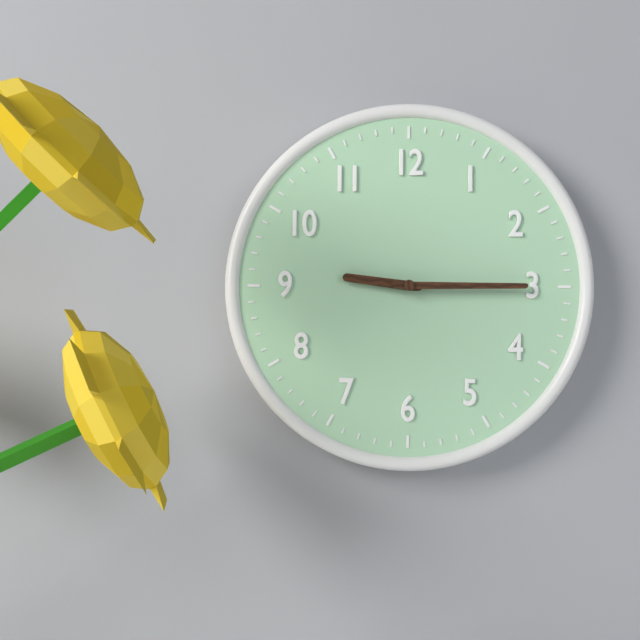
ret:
9.15
